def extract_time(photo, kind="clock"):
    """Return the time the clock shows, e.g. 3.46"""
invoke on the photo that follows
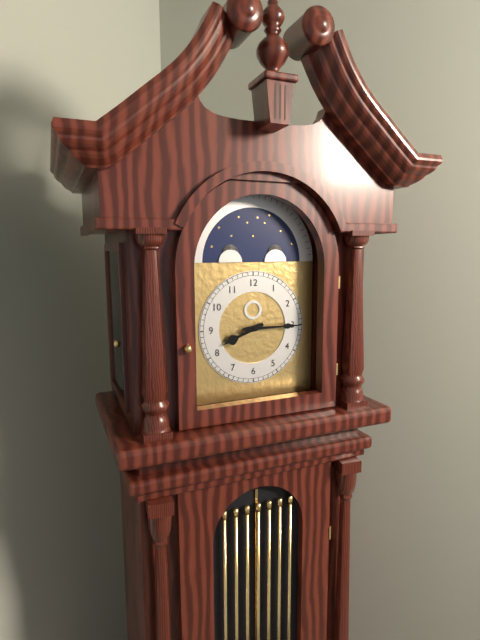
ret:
8.15
